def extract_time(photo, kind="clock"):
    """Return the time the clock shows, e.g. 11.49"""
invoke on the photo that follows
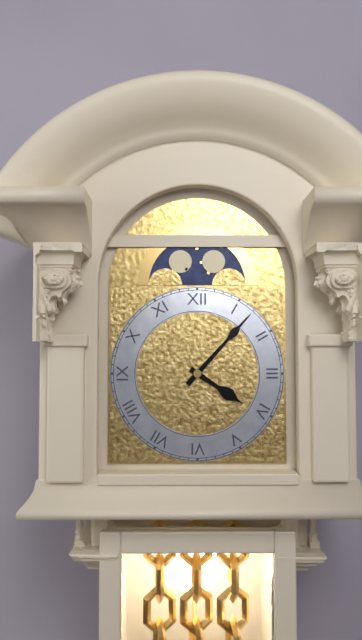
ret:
4.07
